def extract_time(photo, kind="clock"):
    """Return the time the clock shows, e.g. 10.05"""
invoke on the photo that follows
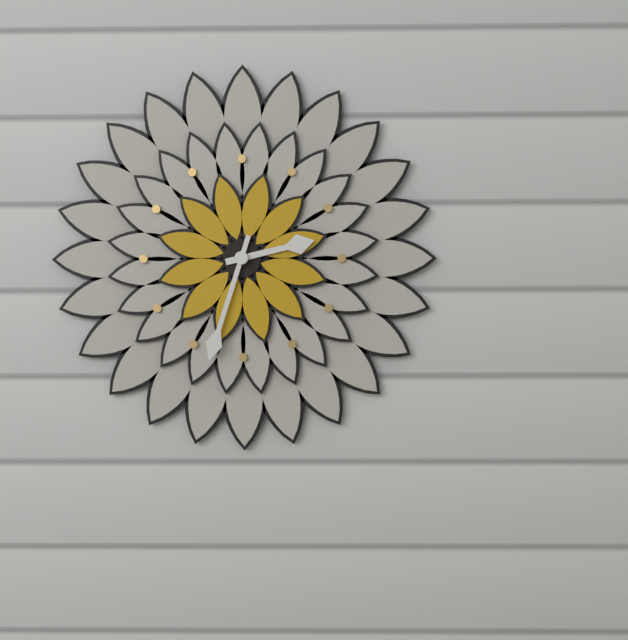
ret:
2.33
